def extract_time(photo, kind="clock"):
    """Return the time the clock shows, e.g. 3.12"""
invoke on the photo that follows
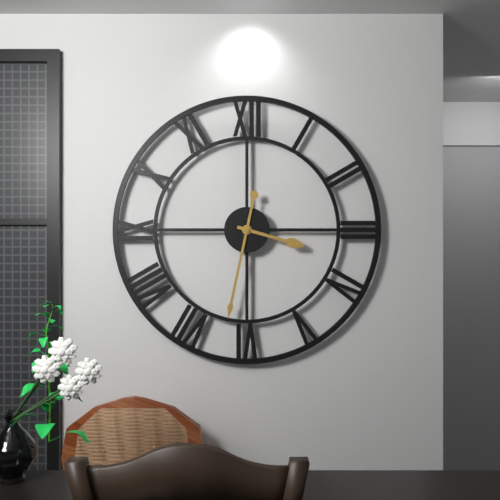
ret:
3.32
